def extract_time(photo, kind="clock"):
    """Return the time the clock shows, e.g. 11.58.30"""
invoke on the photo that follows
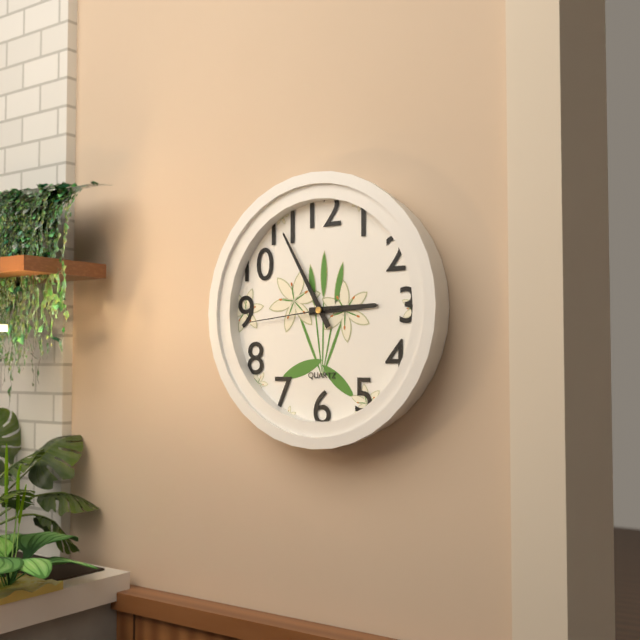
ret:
2.55.44
